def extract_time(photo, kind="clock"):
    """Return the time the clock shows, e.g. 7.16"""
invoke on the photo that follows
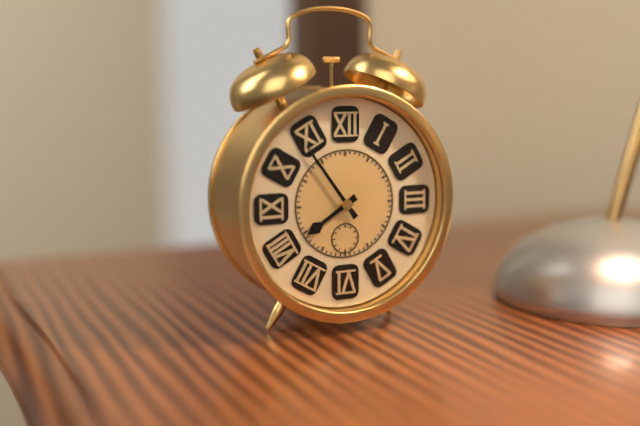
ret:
7.54
